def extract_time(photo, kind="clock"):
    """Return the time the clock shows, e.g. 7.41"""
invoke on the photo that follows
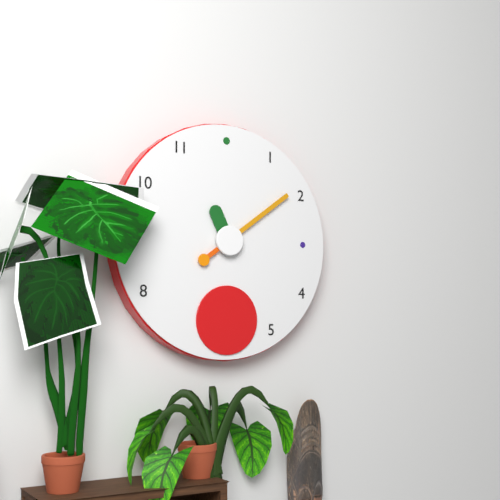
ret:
11.09
